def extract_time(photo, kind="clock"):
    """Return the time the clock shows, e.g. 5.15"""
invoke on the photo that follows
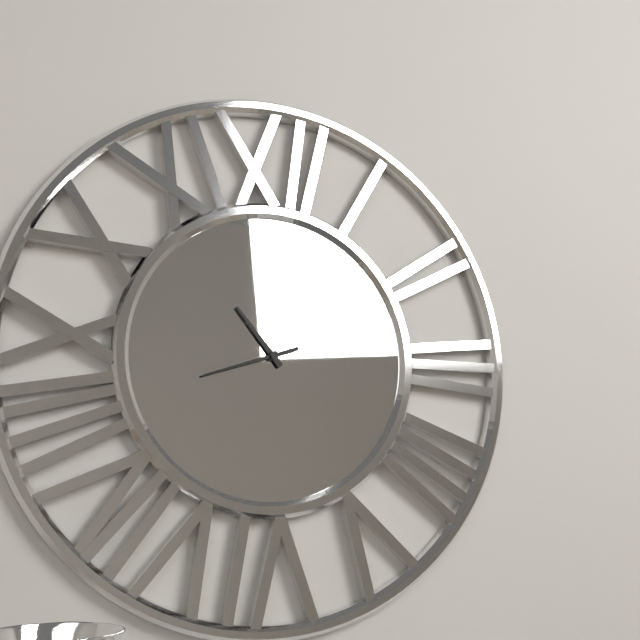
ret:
10.42
